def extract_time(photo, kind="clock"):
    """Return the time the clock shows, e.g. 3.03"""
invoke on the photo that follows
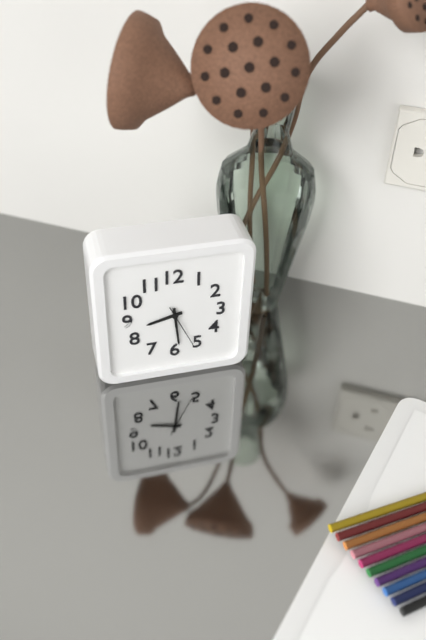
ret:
8.29
